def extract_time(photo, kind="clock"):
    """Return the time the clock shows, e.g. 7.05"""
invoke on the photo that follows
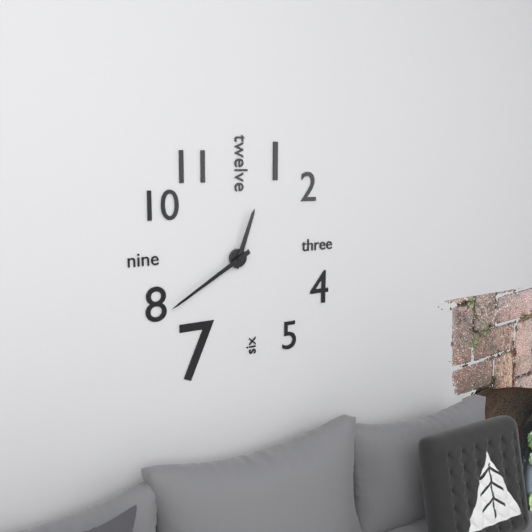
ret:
12.40
